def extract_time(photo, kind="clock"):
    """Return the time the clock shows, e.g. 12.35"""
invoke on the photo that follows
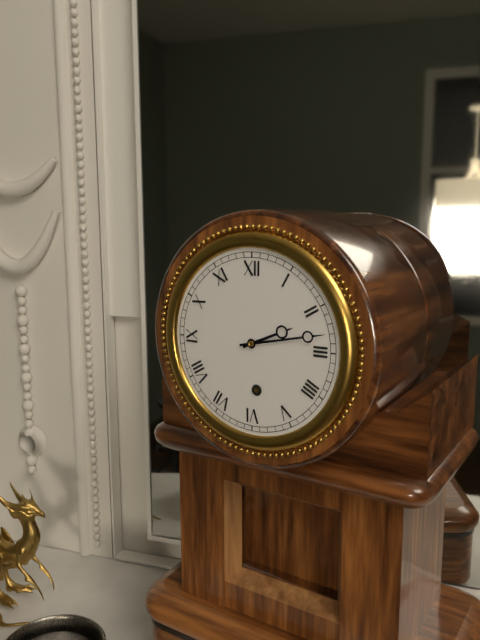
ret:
2.13
